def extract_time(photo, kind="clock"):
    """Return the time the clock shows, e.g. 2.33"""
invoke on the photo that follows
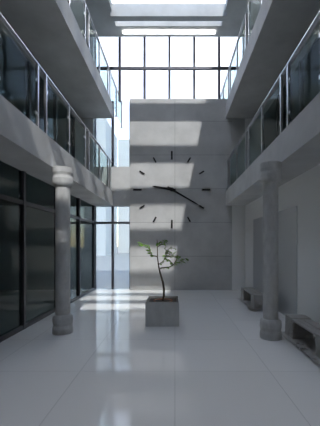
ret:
9.20
